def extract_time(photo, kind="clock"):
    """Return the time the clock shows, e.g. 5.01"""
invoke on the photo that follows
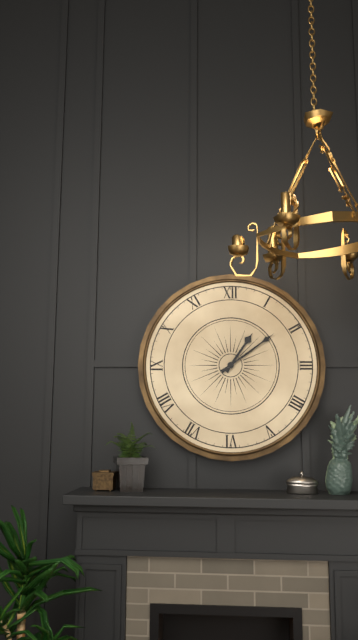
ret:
1.09
